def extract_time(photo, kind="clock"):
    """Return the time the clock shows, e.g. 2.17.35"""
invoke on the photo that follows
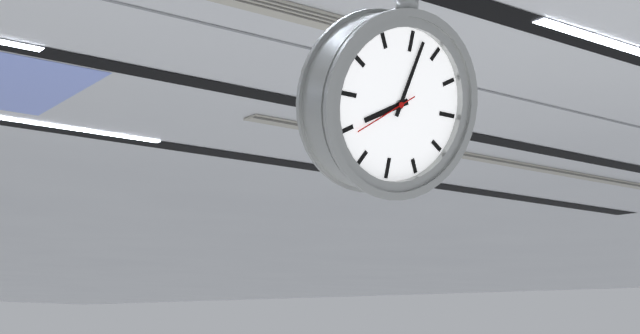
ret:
8.02.39
